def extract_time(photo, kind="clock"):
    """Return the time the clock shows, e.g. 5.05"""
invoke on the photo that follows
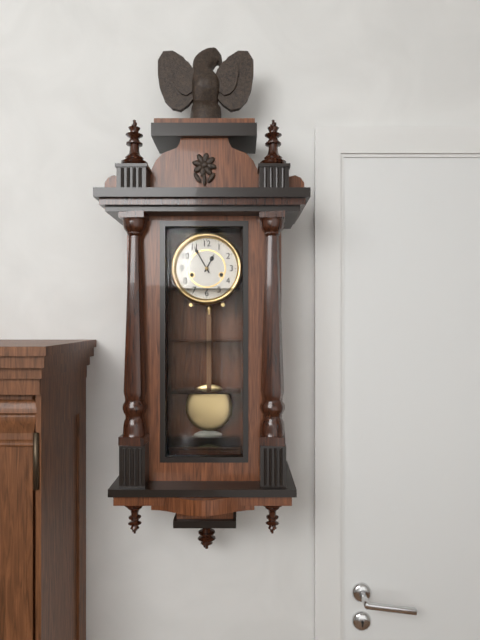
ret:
12.55
